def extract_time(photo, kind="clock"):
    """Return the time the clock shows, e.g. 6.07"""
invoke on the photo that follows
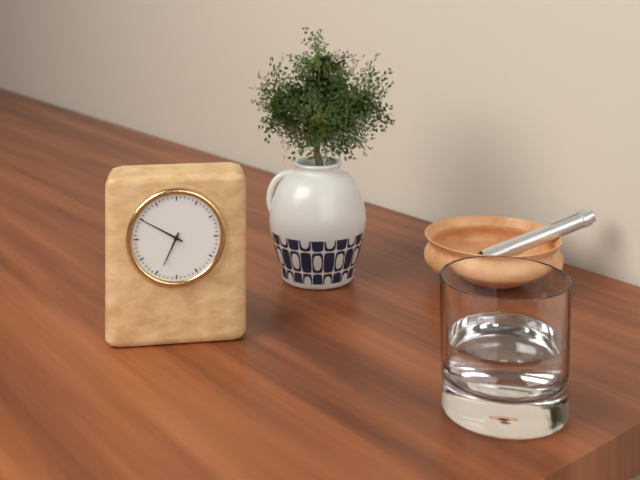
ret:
6.50
